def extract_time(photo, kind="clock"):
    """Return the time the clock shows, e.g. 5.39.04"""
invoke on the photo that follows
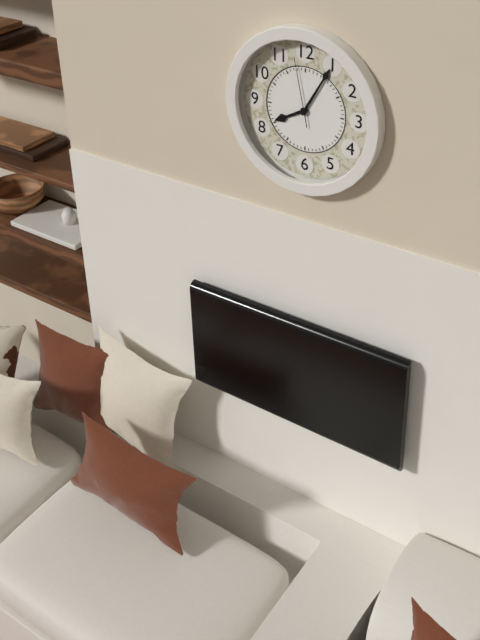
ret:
8.05.58
